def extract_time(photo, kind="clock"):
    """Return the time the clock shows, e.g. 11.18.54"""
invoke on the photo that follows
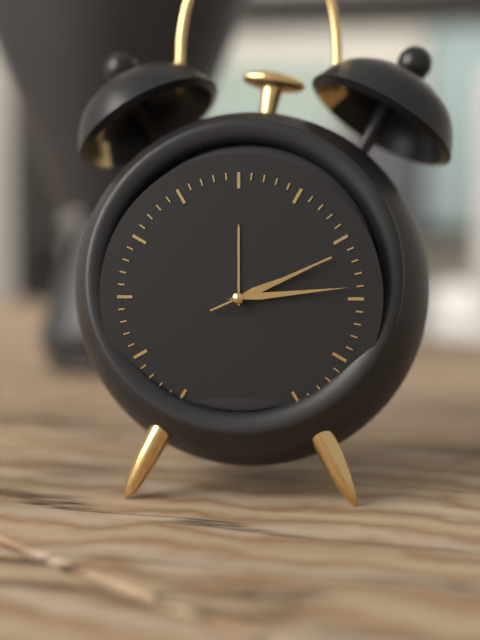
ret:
2.14.11
